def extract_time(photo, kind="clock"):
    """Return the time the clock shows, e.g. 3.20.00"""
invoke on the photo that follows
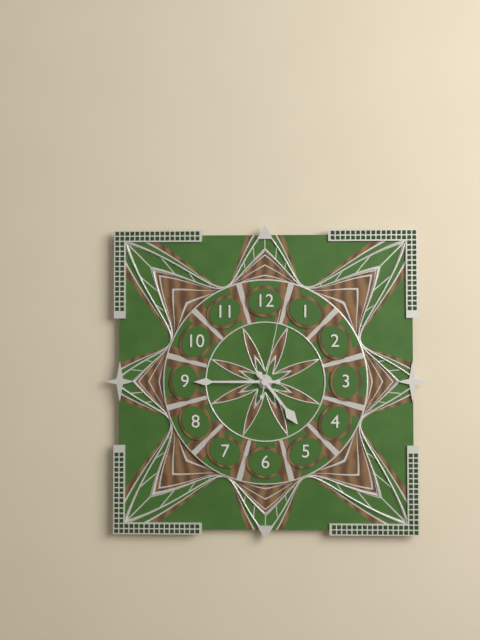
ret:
4.45.02
